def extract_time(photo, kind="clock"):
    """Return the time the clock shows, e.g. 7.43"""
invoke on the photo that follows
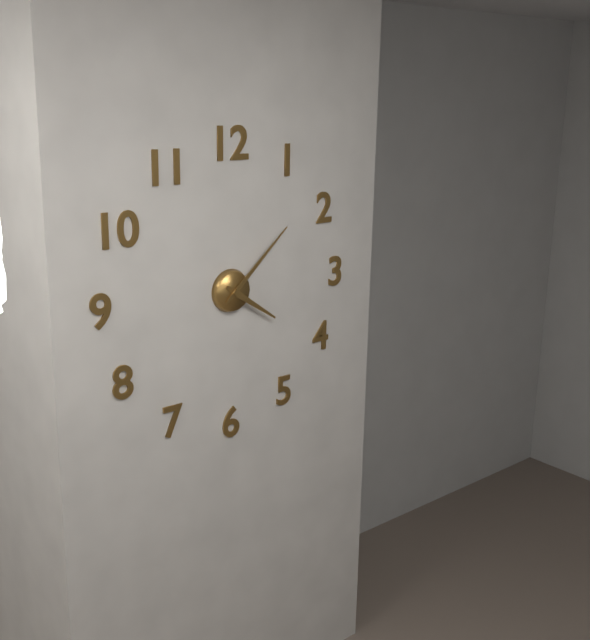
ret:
4.08
